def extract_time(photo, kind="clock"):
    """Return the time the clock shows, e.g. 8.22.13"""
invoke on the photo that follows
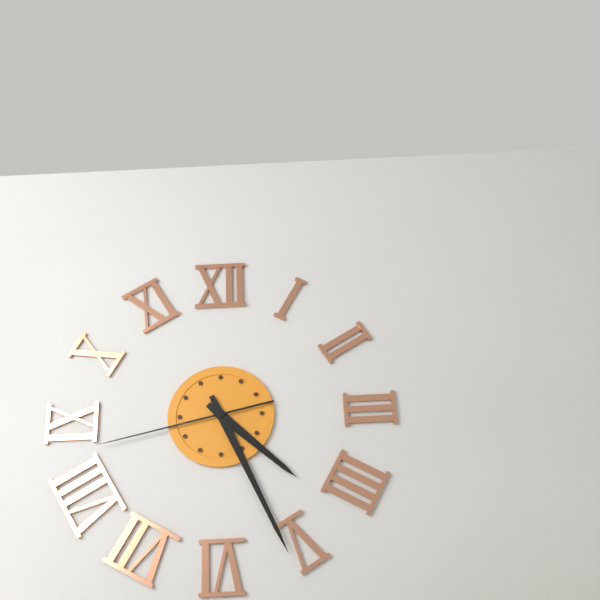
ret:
4.26.43
